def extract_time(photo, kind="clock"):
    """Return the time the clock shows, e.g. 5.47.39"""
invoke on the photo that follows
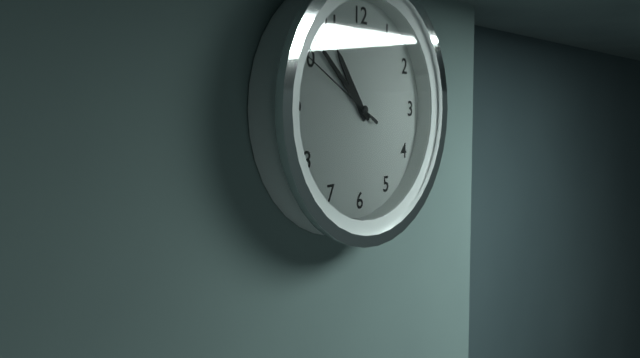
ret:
10.52.50
